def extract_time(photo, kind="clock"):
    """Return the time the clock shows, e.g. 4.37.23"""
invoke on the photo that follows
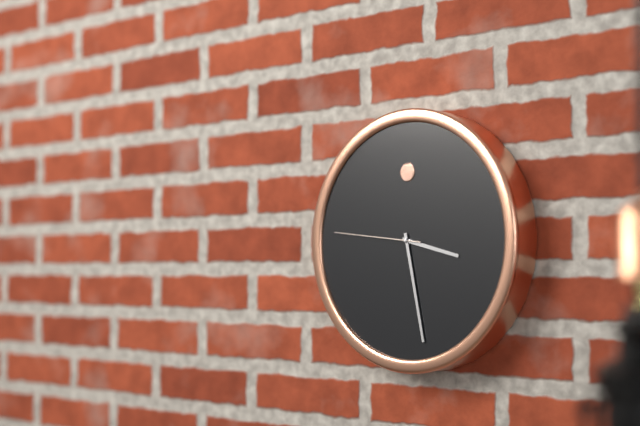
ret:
3.28.46
